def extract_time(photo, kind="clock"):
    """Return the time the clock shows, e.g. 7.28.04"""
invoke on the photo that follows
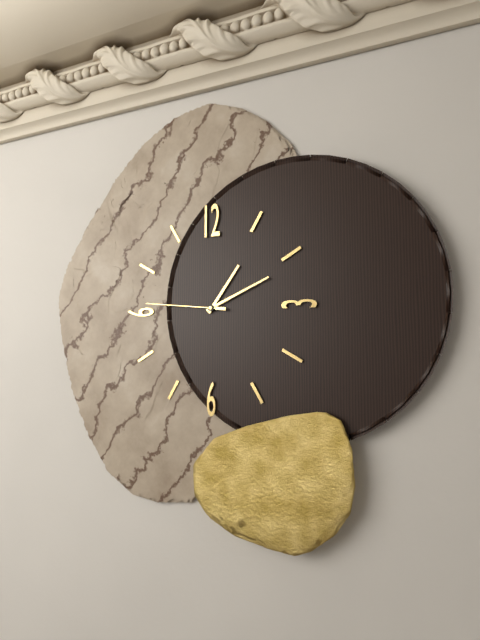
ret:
1.11.46
